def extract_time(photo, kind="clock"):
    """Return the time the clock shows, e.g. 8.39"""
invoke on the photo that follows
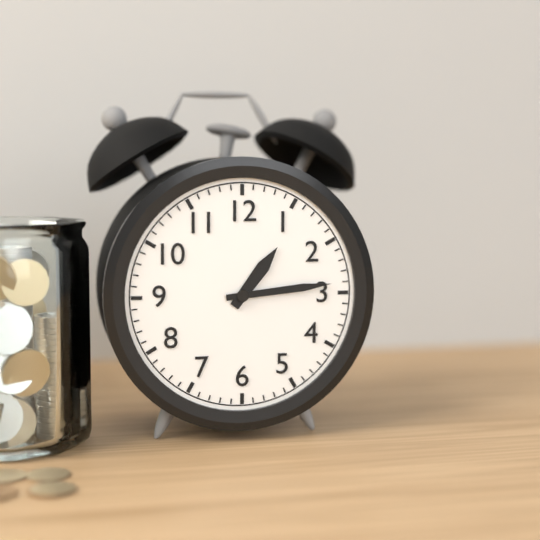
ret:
1.14
